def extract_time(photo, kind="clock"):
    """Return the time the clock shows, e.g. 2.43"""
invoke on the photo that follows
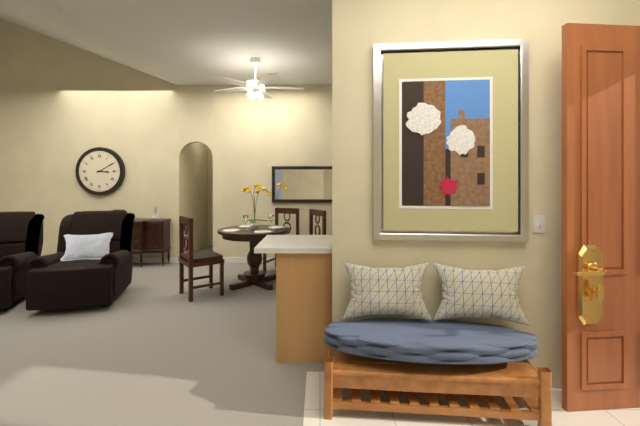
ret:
3.10
